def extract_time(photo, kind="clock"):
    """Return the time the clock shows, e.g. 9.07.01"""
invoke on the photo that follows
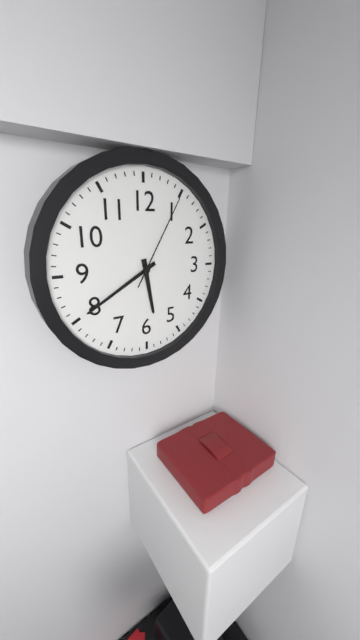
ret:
5.40.05
